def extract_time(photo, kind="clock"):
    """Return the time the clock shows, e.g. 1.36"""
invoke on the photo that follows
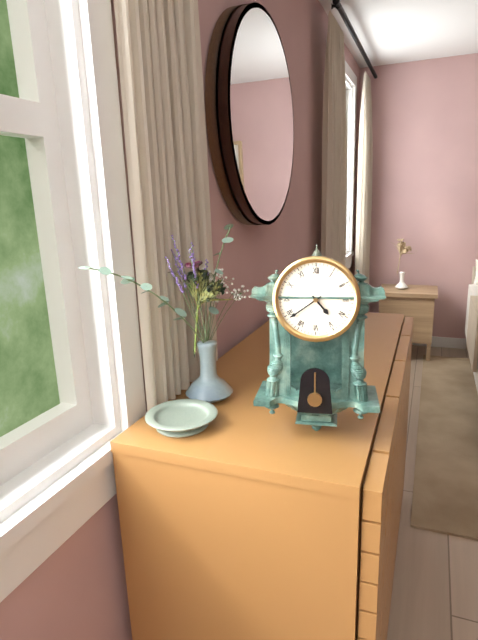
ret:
4.39
